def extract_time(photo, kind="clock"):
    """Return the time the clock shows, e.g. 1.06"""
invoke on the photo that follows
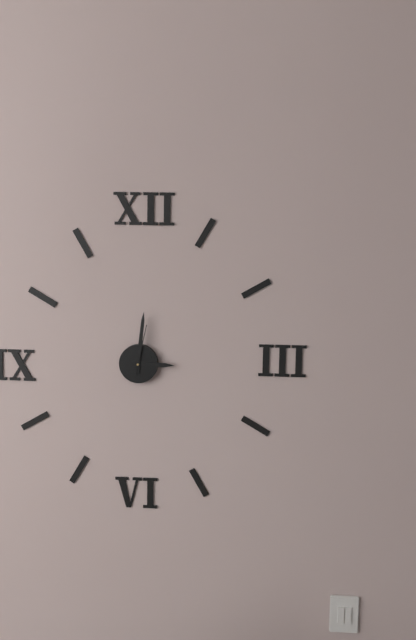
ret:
3.01
